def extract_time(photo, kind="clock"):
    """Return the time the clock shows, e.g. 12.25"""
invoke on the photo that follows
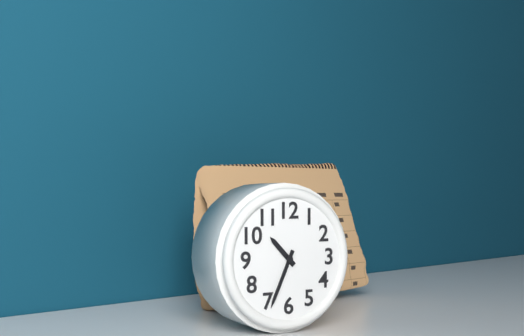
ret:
10.34
